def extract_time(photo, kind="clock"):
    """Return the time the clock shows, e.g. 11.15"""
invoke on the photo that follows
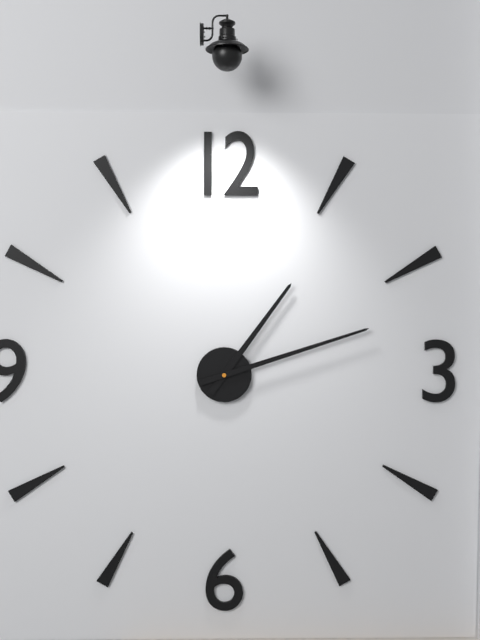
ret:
1.12
